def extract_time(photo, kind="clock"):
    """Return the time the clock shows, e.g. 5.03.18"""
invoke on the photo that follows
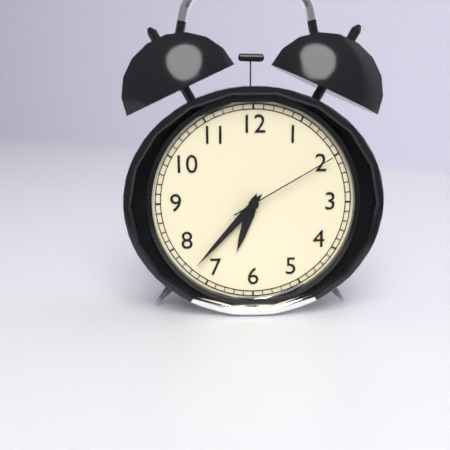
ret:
6.37.10
